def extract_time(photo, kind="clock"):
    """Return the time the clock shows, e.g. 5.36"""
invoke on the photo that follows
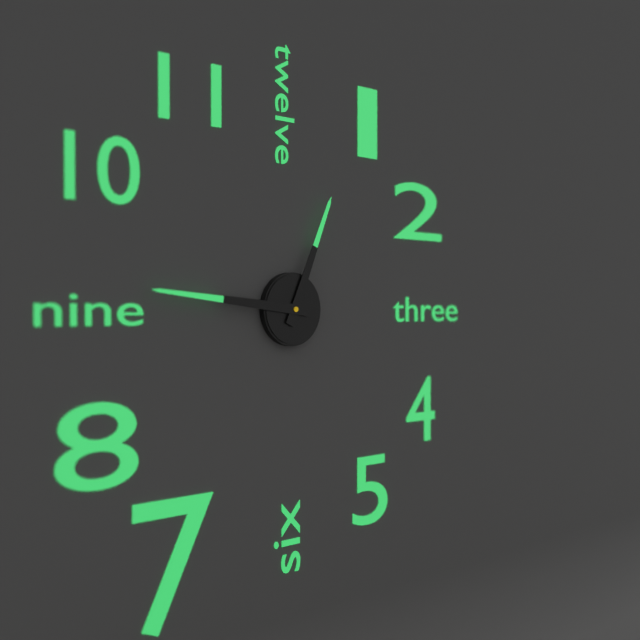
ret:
12.46
